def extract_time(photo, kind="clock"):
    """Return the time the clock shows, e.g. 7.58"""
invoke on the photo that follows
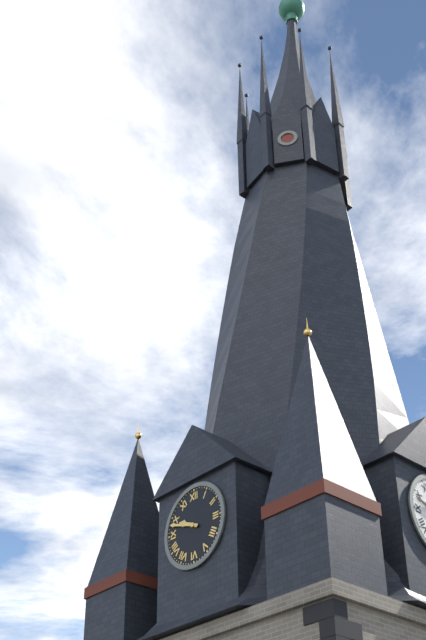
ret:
9.48
